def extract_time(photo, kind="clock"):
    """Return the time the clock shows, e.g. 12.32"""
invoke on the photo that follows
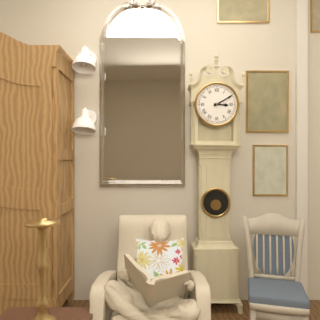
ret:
3.10
